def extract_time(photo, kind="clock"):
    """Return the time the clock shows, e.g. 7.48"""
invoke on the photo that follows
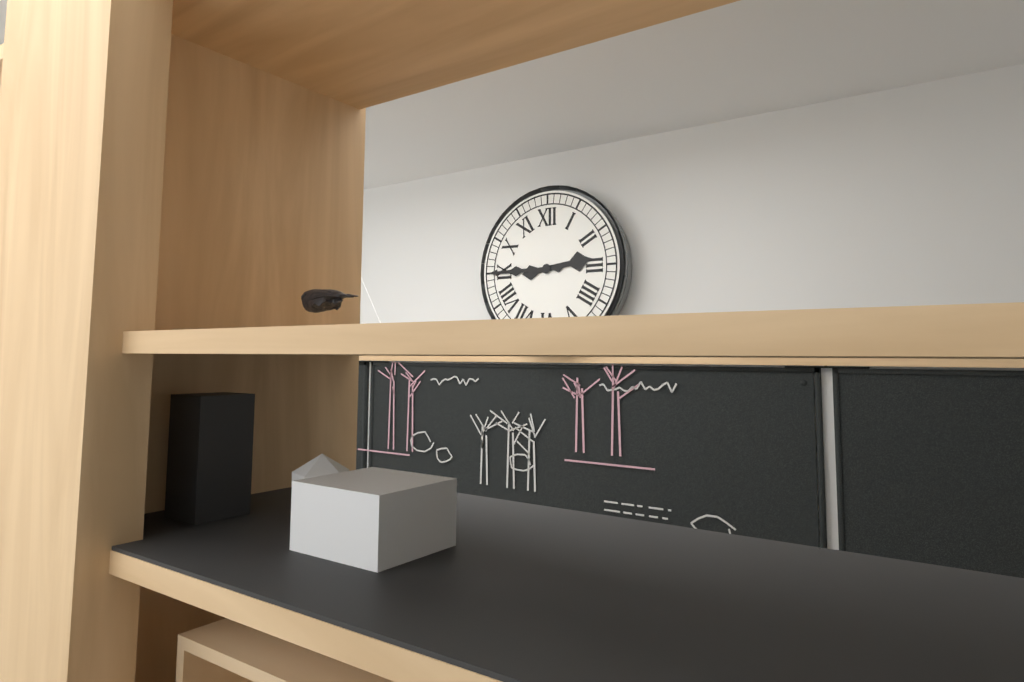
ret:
2.45
